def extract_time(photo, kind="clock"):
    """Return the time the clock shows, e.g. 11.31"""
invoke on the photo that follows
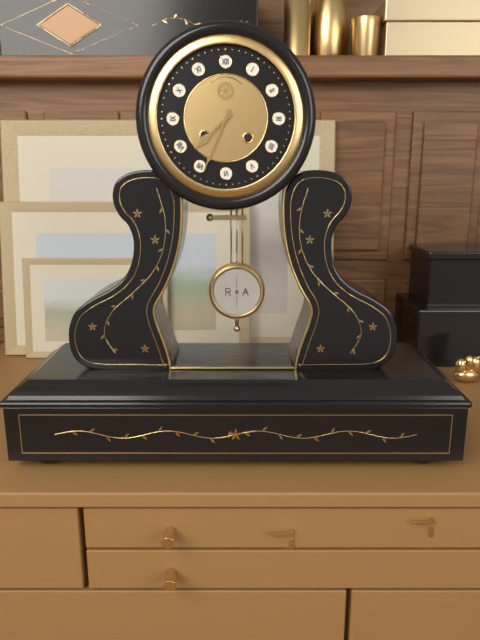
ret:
7.34
